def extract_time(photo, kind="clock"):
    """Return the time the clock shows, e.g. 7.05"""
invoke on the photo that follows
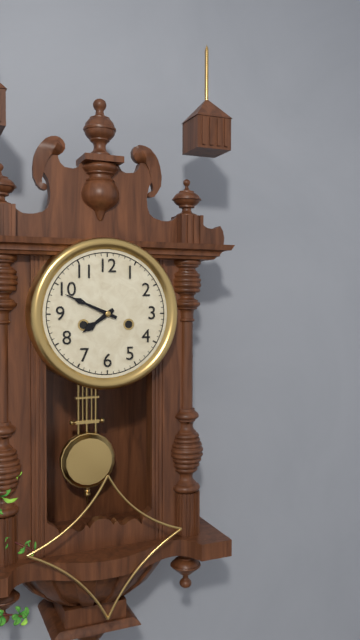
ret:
7.49
